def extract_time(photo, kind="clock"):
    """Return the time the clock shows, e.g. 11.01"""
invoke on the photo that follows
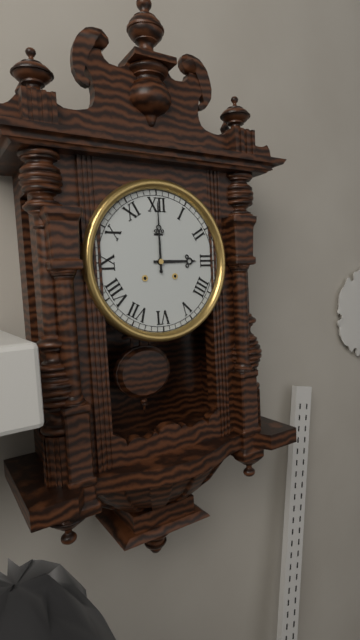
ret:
3.00
